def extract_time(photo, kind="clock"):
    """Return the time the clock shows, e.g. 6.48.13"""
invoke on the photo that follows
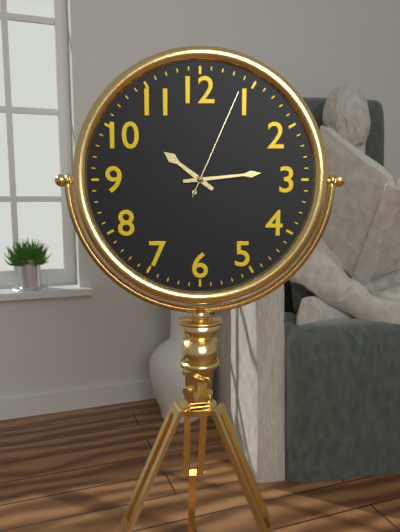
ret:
10.14.04
